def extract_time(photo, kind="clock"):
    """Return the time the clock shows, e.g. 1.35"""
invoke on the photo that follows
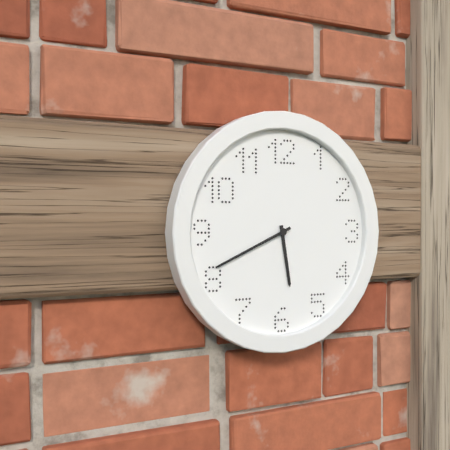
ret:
5.41
